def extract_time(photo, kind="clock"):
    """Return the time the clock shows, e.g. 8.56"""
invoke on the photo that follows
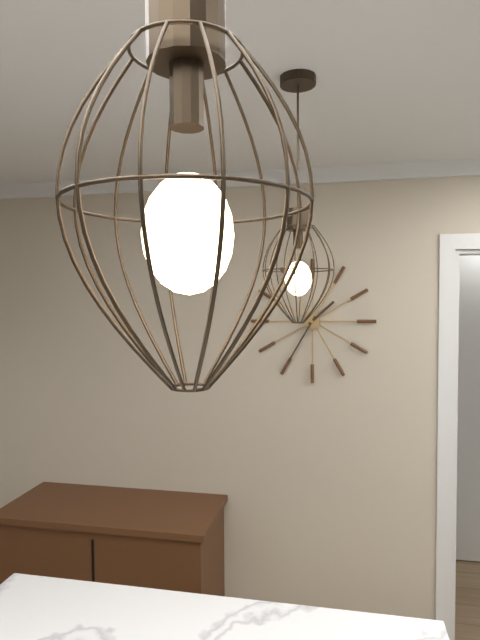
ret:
1.35
